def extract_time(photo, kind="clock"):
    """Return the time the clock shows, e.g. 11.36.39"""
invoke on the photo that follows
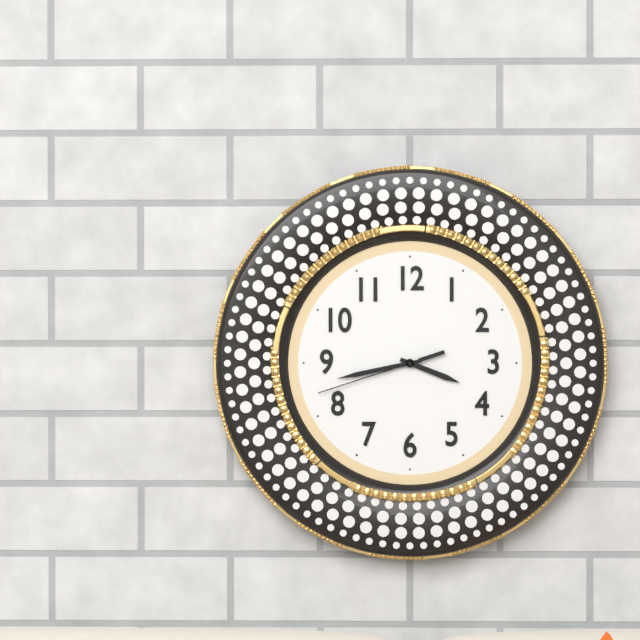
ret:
3.43.42
